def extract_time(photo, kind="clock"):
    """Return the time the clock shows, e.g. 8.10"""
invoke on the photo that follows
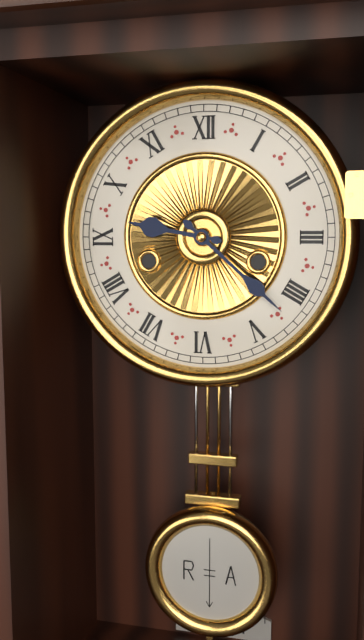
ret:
9.22
